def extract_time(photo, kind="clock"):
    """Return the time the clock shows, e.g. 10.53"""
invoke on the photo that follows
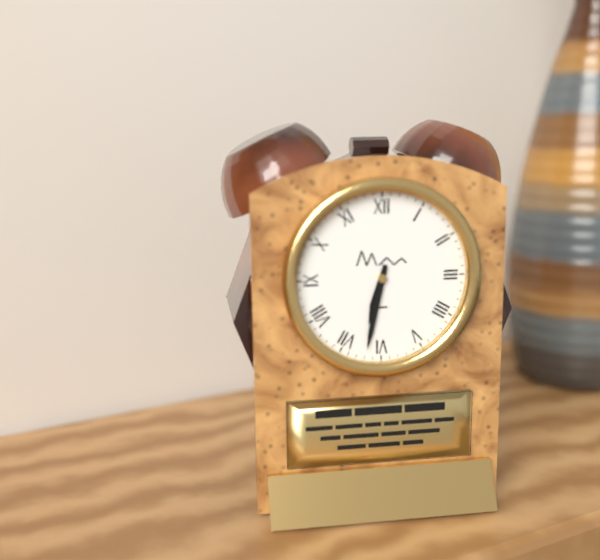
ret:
6.32
